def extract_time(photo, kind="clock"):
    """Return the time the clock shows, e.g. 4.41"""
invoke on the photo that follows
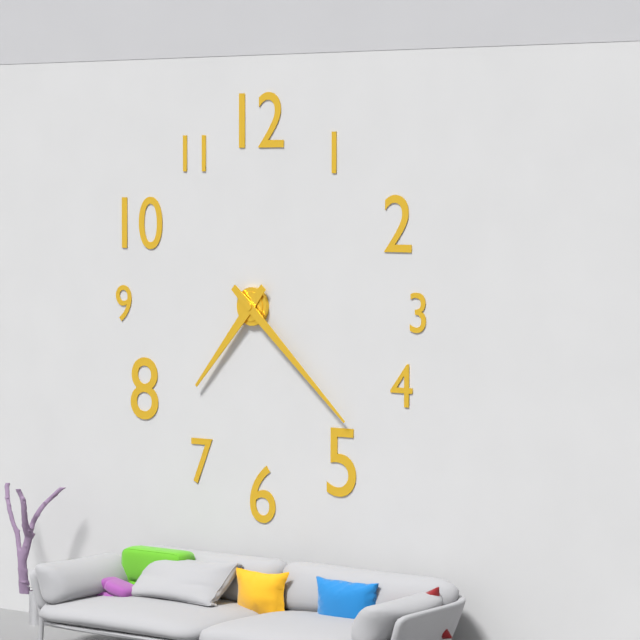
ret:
7.22
